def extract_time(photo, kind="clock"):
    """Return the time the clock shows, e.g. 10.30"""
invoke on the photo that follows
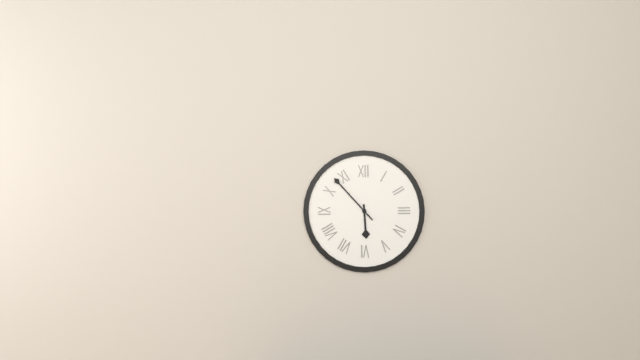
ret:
5.53
